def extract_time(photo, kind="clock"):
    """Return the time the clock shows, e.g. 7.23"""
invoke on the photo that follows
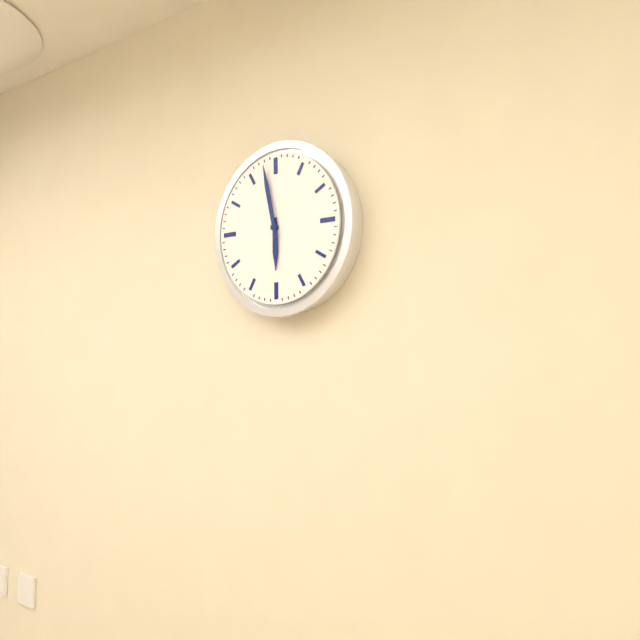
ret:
5.58
